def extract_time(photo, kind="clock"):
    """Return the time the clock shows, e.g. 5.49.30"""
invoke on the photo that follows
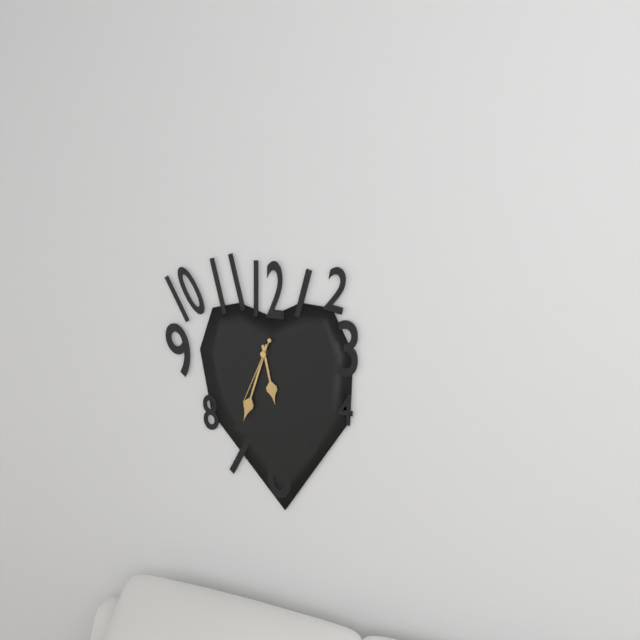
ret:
5.33.34
